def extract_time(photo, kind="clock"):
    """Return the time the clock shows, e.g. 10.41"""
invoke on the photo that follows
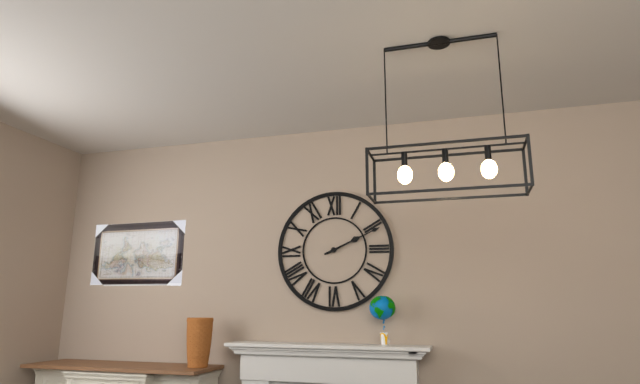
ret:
2.11
